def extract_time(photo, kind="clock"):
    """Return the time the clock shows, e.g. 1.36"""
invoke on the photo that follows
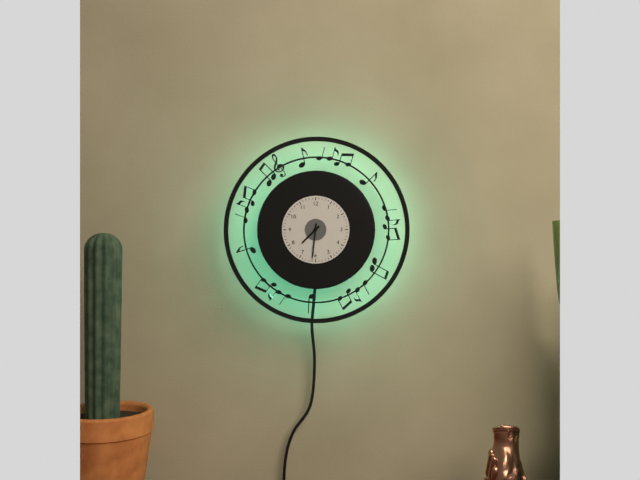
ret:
7.31
